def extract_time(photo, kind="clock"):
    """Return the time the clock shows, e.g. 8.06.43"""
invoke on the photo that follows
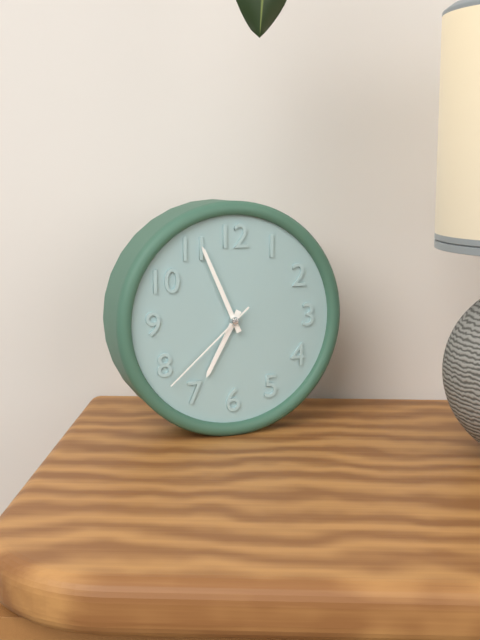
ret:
6.56.38
